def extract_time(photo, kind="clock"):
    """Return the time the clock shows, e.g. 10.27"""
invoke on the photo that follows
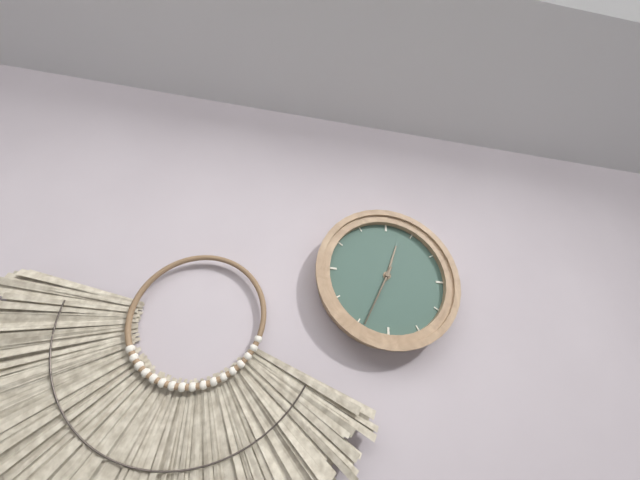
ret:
12.34
